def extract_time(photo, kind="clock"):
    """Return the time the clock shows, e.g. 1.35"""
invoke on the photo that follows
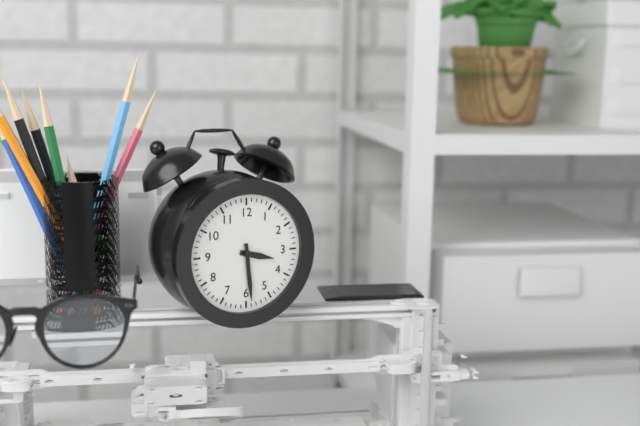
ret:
3.29
